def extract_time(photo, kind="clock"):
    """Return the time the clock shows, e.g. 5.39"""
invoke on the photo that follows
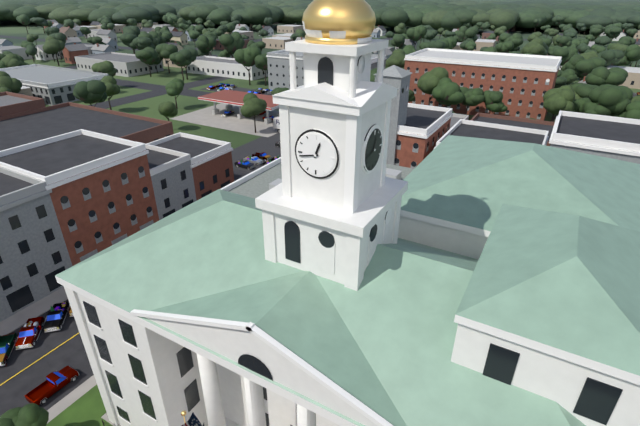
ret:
12.43
